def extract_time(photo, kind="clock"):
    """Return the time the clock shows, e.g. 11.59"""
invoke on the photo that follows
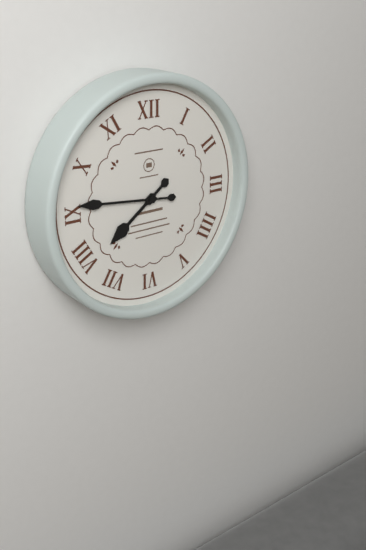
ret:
7.46
